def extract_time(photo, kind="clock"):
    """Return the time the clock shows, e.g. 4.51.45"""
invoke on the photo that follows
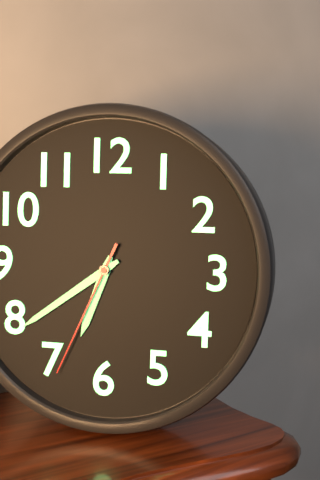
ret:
6.39.34
